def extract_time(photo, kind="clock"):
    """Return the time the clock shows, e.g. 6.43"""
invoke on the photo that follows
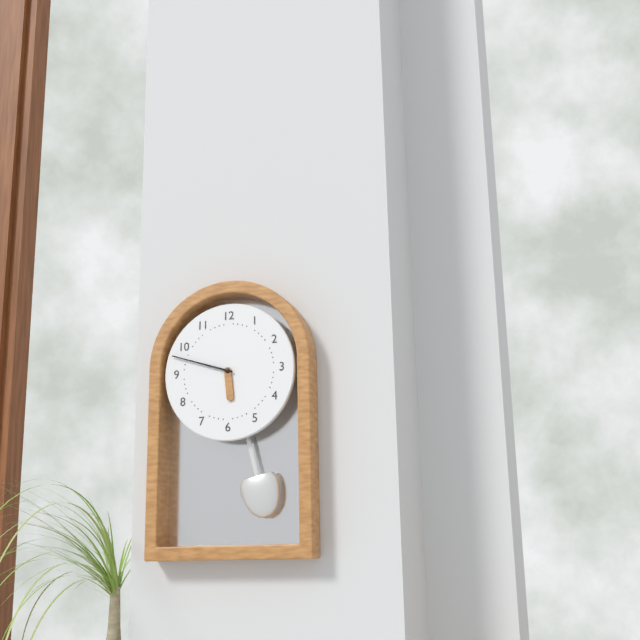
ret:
5.48
